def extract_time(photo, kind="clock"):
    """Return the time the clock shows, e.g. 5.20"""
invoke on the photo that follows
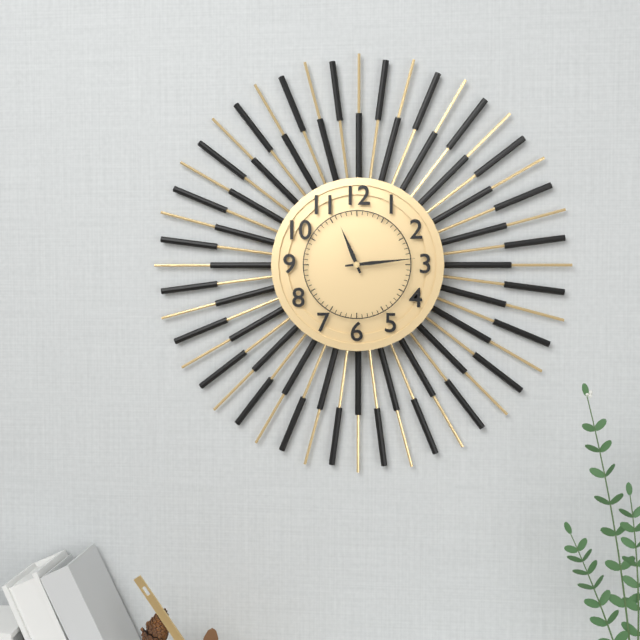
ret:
11.14
